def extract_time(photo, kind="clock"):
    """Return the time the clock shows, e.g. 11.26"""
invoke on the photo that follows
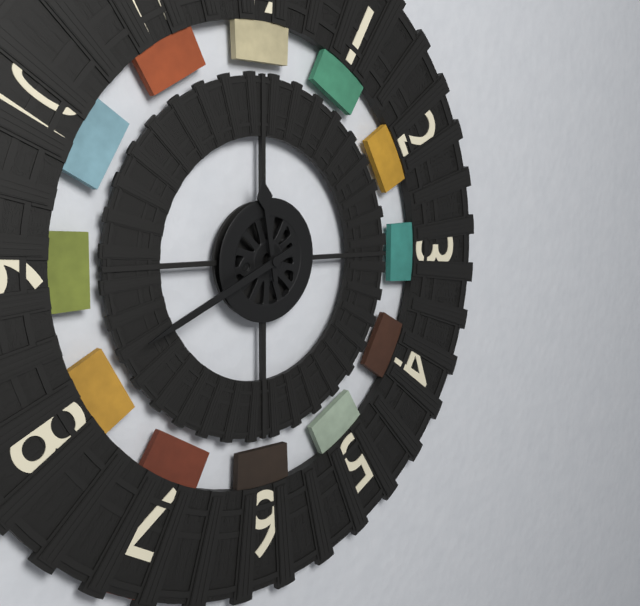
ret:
11.41
